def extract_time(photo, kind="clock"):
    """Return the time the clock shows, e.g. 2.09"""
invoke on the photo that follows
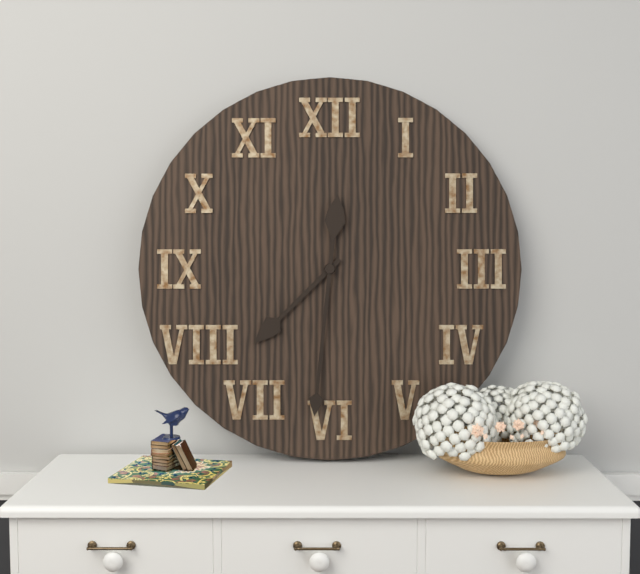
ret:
7.31
